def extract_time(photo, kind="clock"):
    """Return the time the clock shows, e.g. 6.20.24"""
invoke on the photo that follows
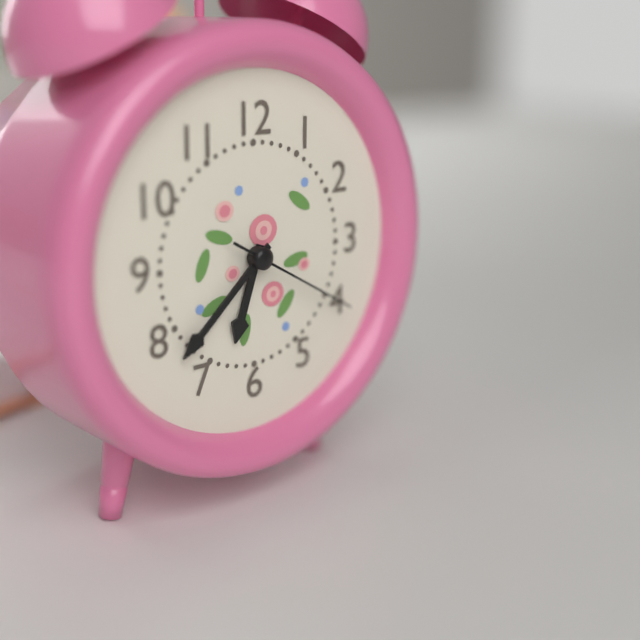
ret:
6.38.20
